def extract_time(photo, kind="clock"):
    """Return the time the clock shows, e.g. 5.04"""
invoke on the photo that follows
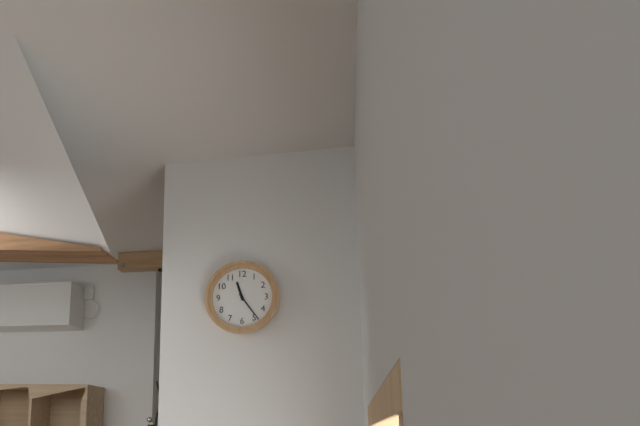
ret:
11.24
